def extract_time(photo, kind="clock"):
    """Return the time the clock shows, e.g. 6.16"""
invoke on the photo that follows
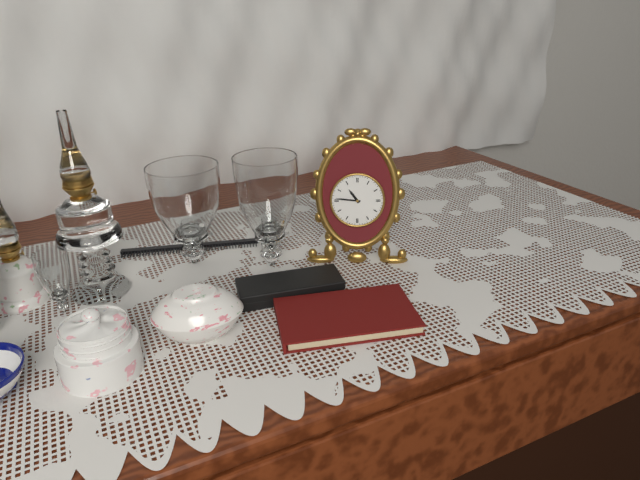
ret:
10.46
